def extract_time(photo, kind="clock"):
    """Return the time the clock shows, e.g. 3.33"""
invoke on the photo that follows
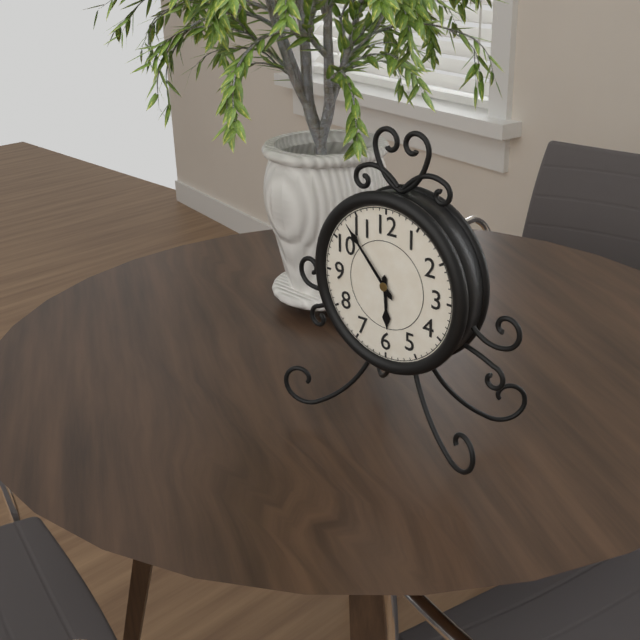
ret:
5.53
